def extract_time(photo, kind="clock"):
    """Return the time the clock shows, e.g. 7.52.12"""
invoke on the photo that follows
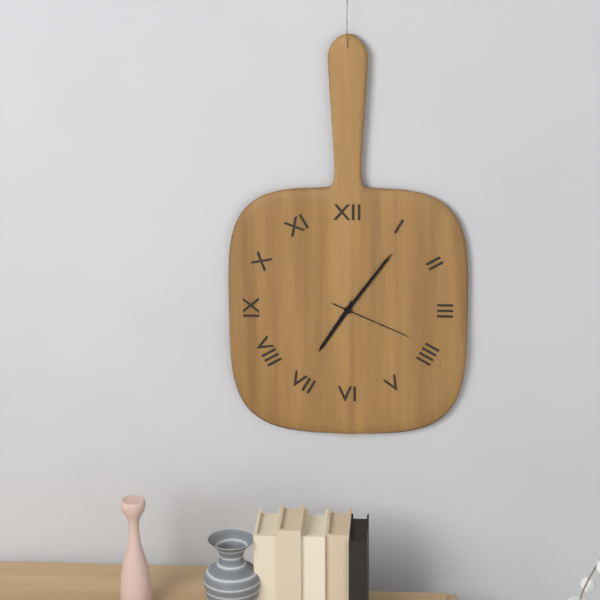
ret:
7.06.19
